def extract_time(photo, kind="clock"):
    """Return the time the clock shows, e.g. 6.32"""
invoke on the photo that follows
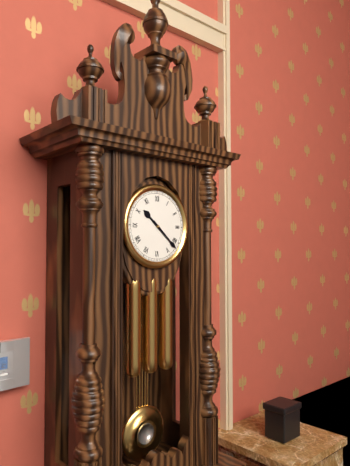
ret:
10.22
